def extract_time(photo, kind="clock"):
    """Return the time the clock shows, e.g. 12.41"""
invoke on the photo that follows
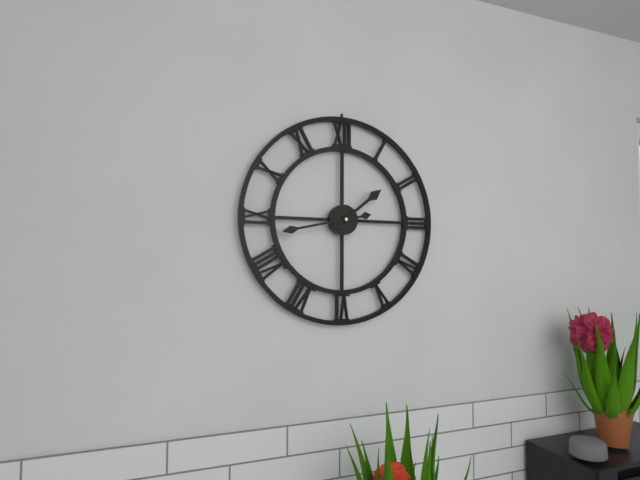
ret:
1.43
